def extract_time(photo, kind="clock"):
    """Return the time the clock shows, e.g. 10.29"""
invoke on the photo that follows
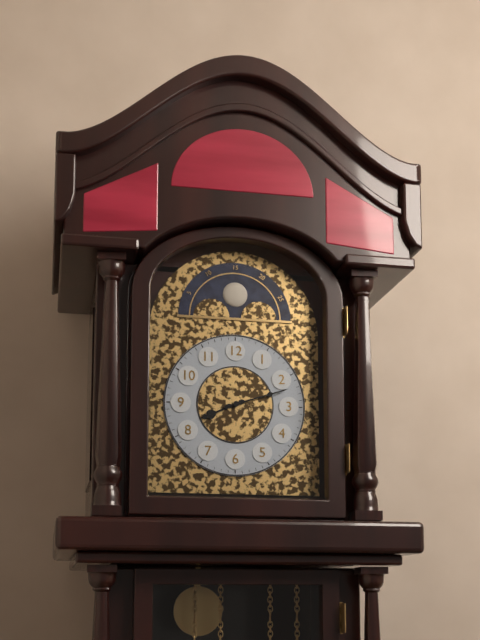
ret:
8.12
